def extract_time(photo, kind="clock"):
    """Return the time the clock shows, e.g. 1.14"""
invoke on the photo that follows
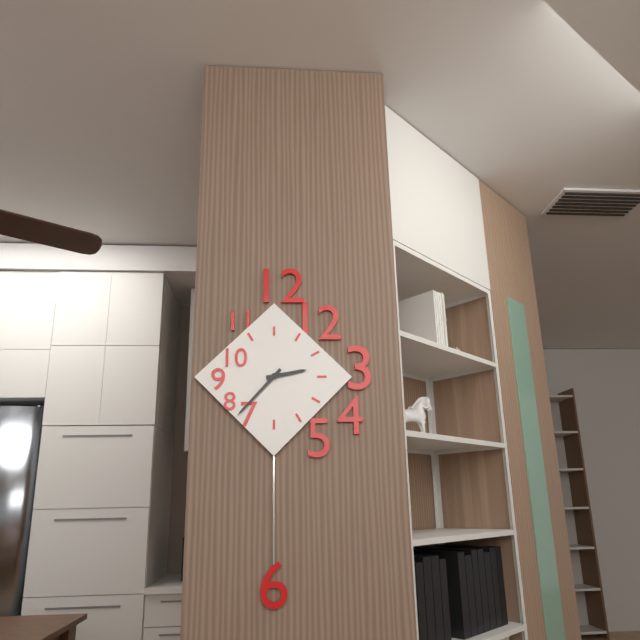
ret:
2.37
